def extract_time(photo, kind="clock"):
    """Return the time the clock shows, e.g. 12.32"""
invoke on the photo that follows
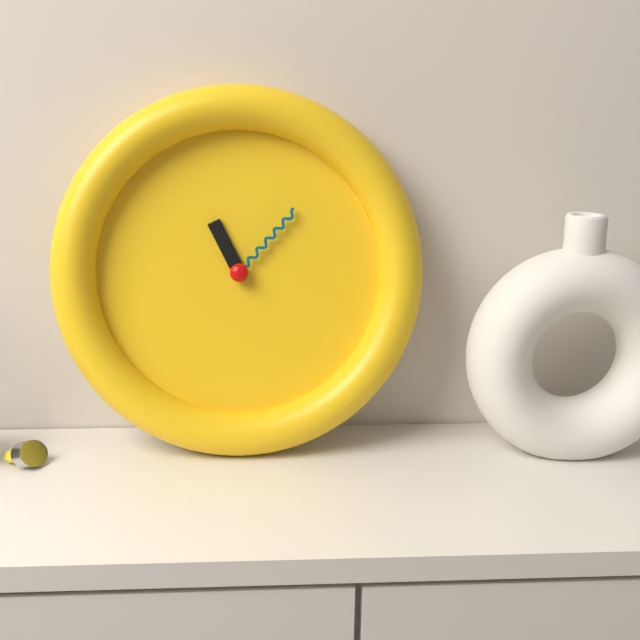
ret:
11.07
